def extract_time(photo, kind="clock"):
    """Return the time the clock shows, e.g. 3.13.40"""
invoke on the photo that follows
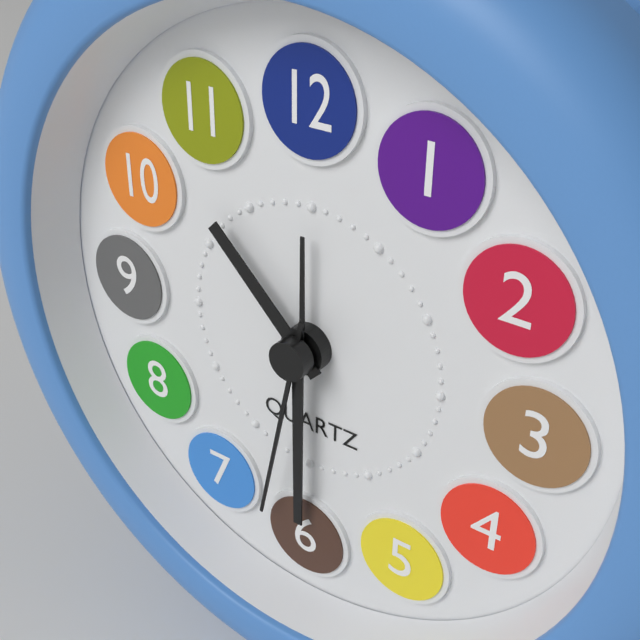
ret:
10.30.32
